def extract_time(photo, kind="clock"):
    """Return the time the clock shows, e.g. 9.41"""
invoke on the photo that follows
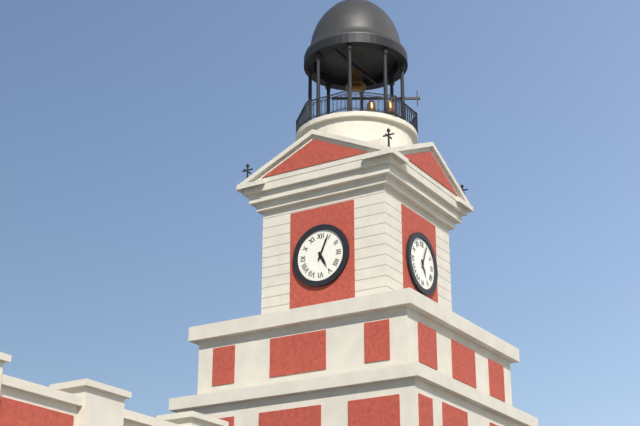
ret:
5.04
